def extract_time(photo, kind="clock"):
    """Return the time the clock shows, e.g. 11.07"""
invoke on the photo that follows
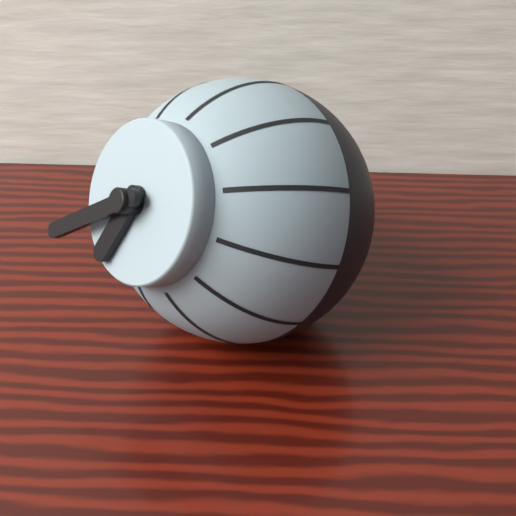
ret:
6.39
